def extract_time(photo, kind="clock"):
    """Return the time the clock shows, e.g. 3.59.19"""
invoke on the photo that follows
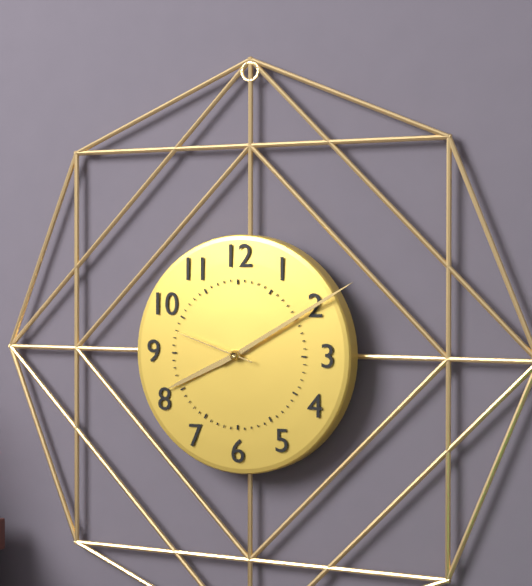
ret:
8.10.48
